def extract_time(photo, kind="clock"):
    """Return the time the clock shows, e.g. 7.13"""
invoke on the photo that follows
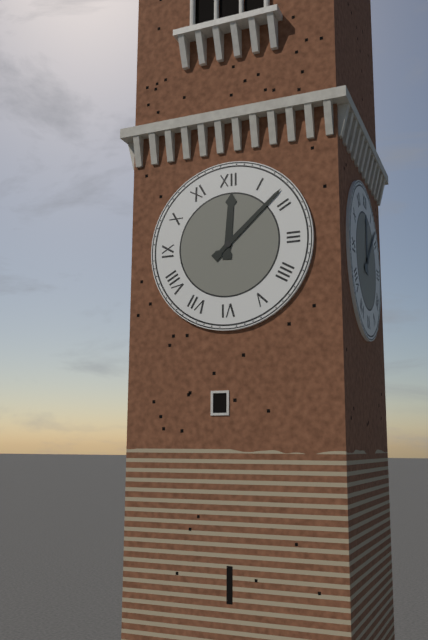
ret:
12.08
